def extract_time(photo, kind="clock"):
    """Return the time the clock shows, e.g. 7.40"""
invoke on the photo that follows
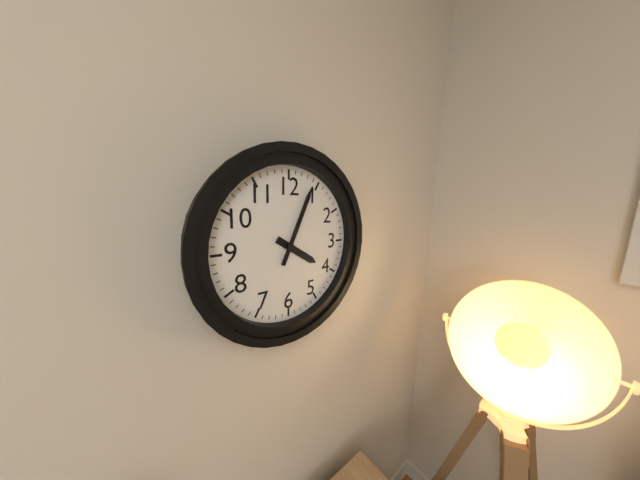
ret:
4.04
